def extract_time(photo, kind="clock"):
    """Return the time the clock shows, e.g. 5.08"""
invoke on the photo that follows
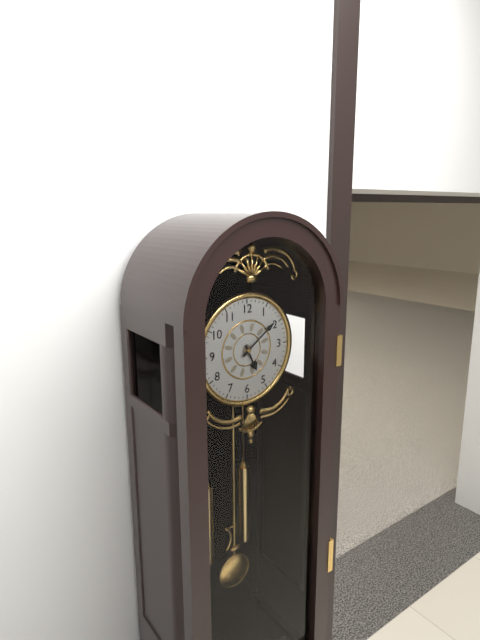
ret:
5.09
